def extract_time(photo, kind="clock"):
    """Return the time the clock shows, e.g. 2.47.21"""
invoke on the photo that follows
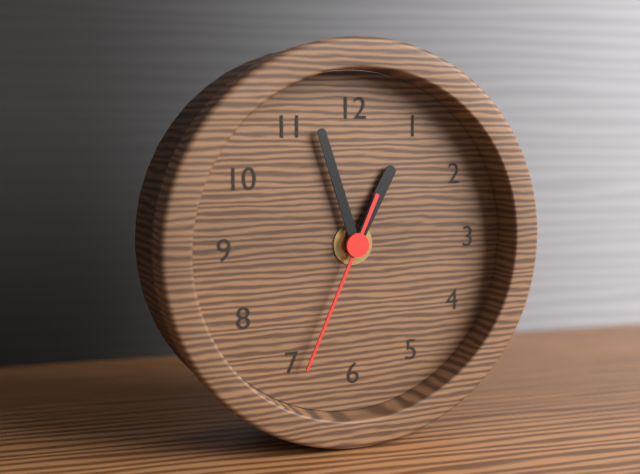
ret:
12.57.34
